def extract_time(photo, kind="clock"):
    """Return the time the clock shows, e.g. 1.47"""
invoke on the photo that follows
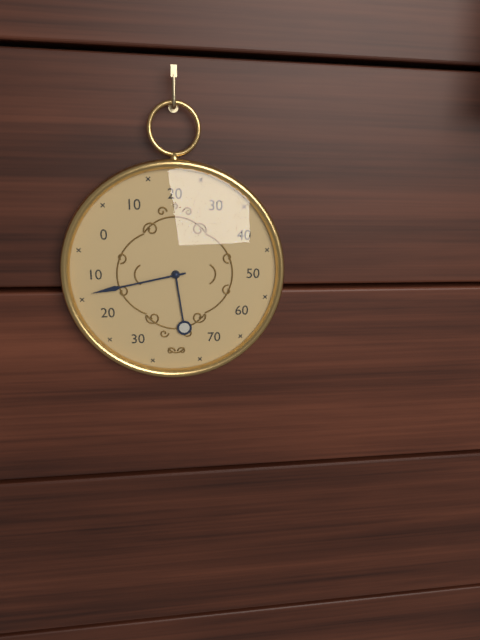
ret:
5.43
